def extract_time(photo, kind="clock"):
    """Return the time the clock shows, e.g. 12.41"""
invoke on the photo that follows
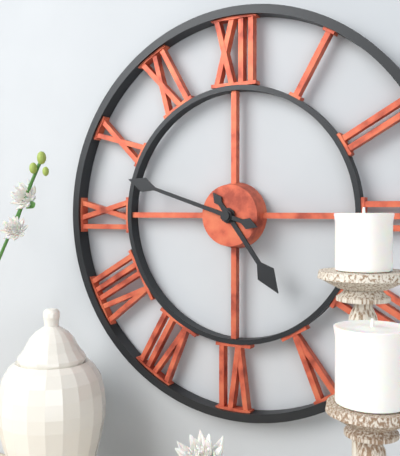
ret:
4.48
